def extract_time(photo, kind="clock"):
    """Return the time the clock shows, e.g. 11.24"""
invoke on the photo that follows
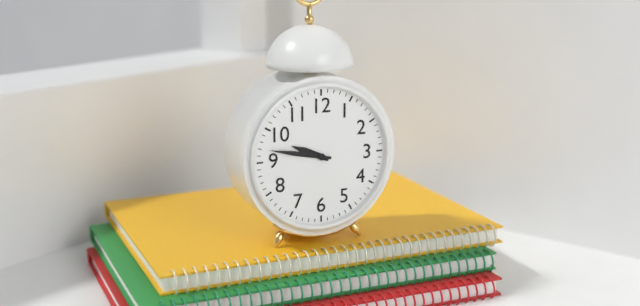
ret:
9.47
